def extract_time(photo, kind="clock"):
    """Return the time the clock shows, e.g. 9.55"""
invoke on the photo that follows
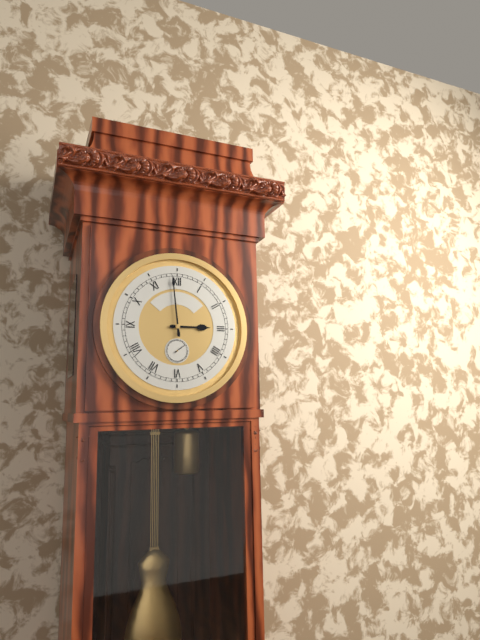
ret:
2.59
